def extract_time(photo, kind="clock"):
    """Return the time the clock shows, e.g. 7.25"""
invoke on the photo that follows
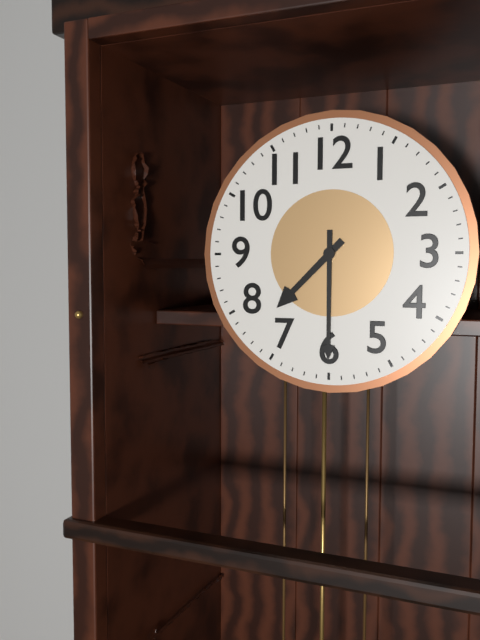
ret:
7.30
